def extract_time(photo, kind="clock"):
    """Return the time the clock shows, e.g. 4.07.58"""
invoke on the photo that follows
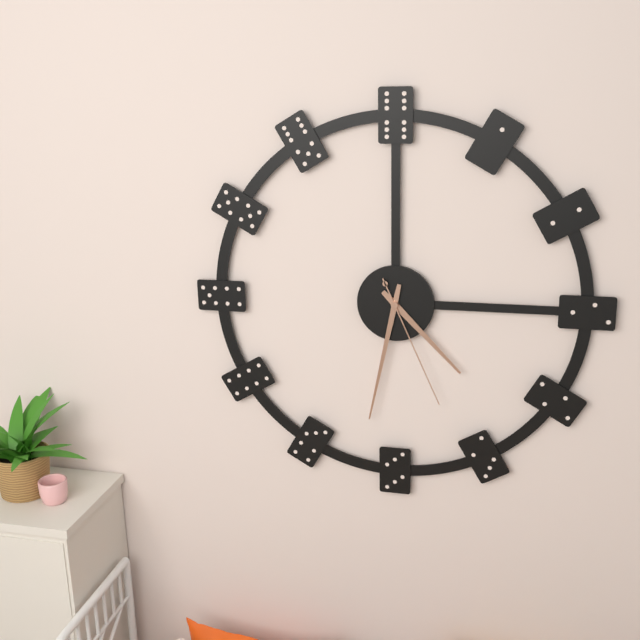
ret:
4.32.26
